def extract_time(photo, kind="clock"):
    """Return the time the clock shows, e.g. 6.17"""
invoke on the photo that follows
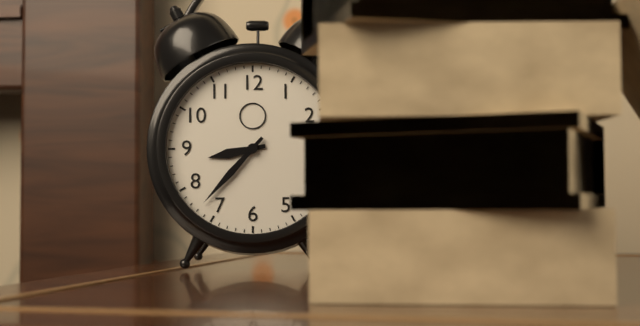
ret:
8.37
